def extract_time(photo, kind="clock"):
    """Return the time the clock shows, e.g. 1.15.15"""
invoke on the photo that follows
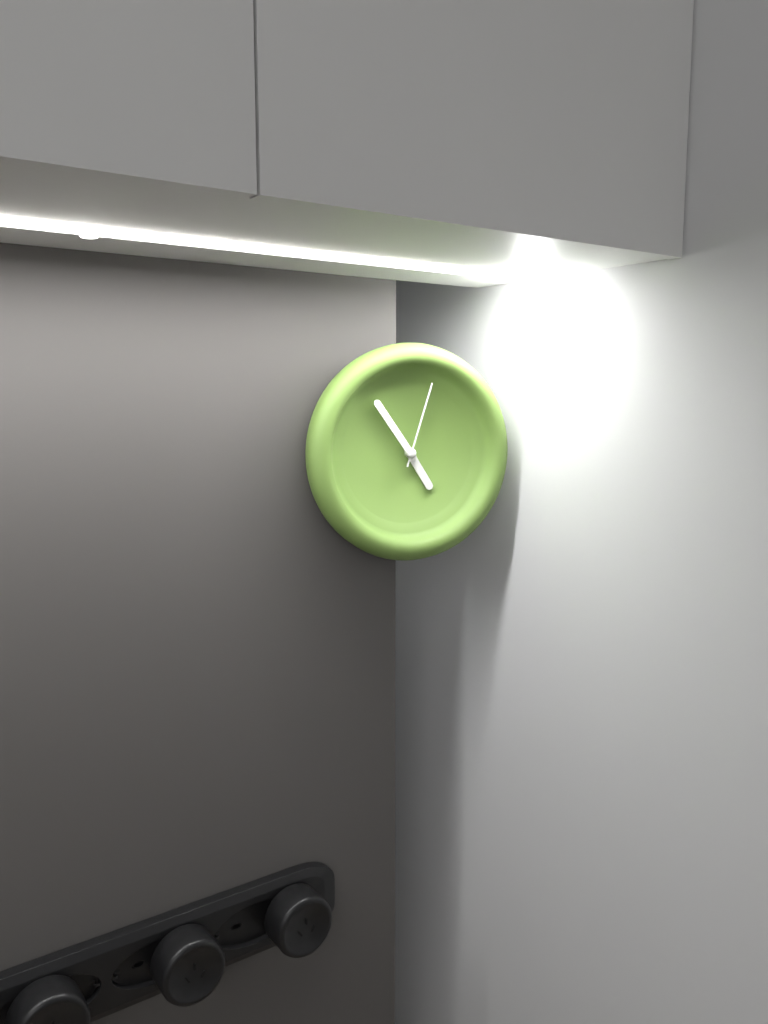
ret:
4.54.03
